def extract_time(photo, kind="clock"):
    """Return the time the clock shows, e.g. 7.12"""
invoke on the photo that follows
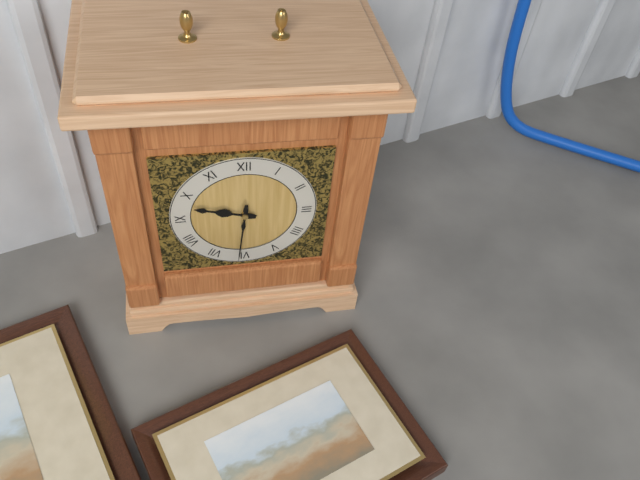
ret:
9.31
